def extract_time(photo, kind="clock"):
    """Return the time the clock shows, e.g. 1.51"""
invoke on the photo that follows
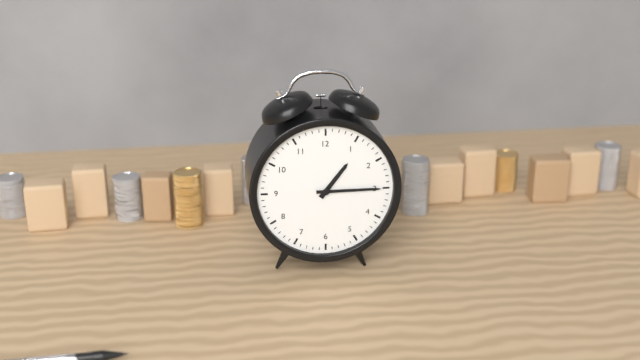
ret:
1.15
